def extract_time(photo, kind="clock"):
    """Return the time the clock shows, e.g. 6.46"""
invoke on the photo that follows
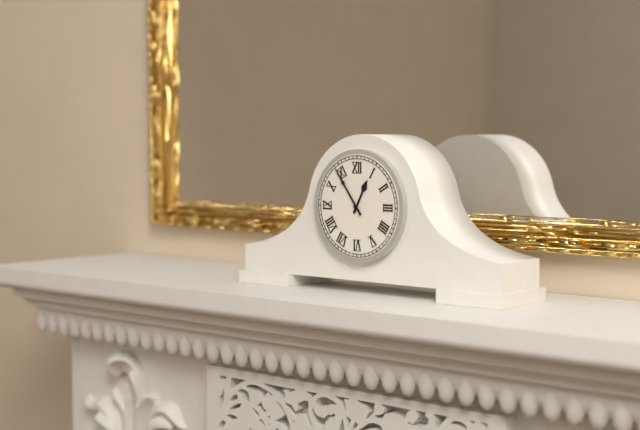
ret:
12.54
